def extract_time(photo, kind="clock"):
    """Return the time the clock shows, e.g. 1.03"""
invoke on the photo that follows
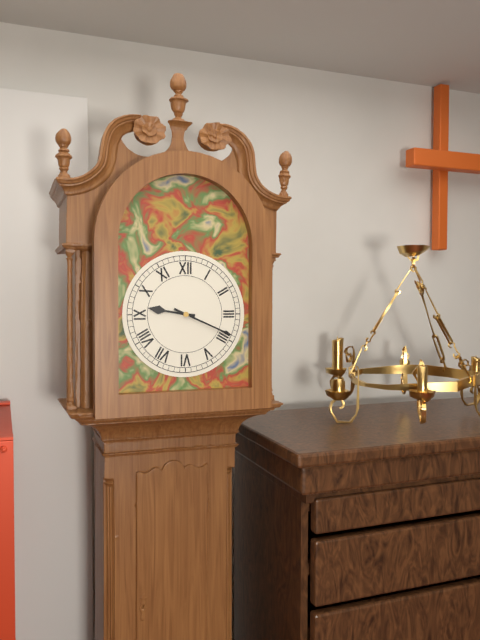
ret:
9.19
